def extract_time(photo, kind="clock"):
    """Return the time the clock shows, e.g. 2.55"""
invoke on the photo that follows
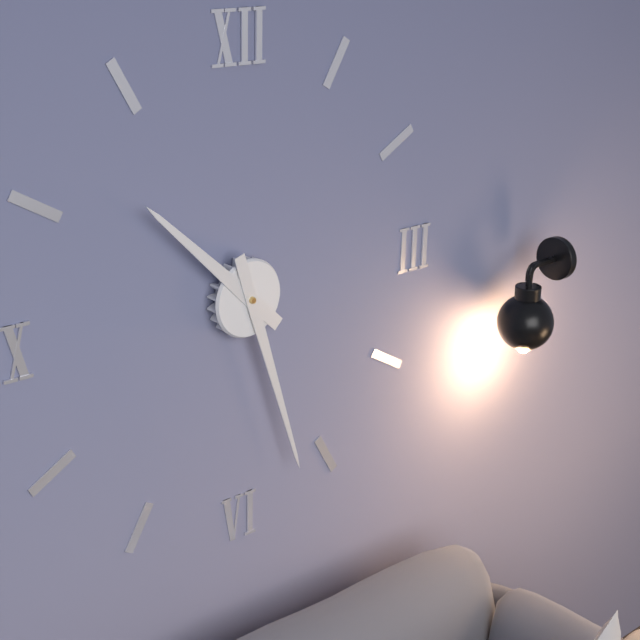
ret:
10.27
